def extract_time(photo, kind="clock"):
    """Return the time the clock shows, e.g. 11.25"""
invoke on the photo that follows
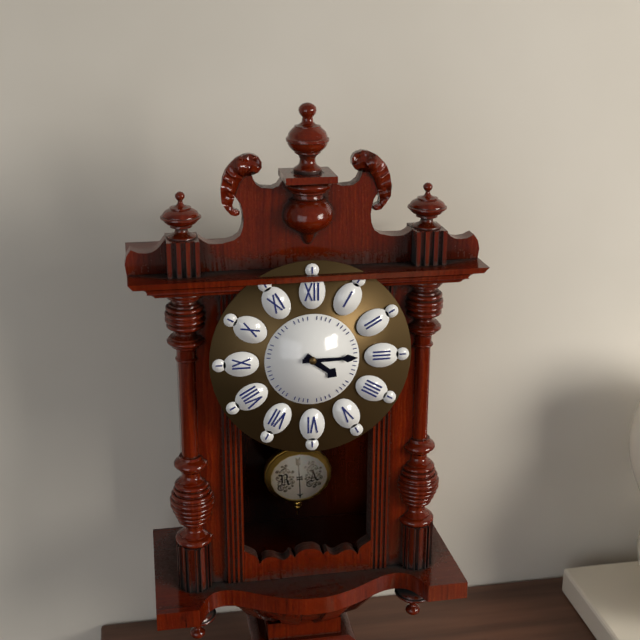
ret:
4.15
